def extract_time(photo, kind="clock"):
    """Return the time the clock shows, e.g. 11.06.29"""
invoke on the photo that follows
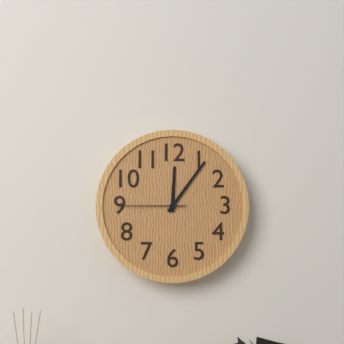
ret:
12.06.45
